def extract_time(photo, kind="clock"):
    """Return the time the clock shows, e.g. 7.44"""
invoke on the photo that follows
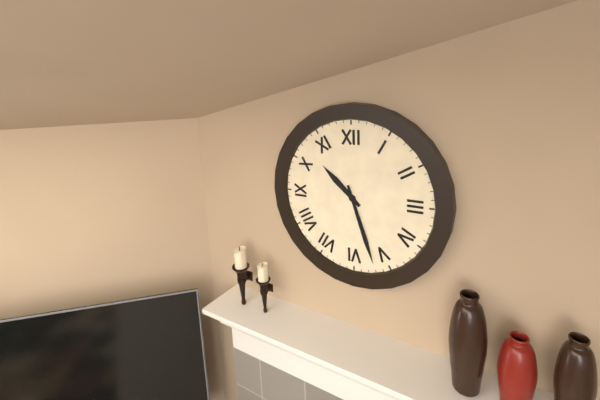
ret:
10.27
